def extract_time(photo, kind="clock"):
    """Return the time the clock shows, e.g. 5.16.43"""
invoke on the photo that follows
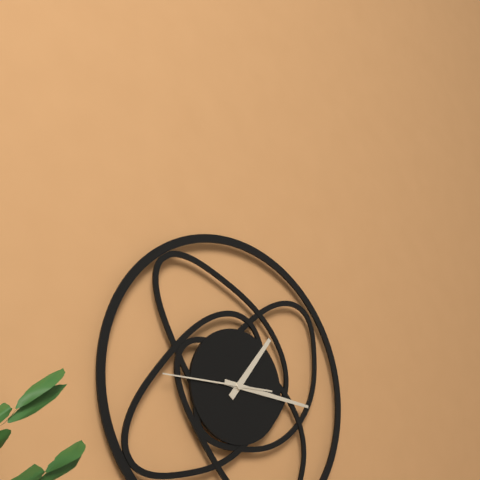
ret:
1.16.45
